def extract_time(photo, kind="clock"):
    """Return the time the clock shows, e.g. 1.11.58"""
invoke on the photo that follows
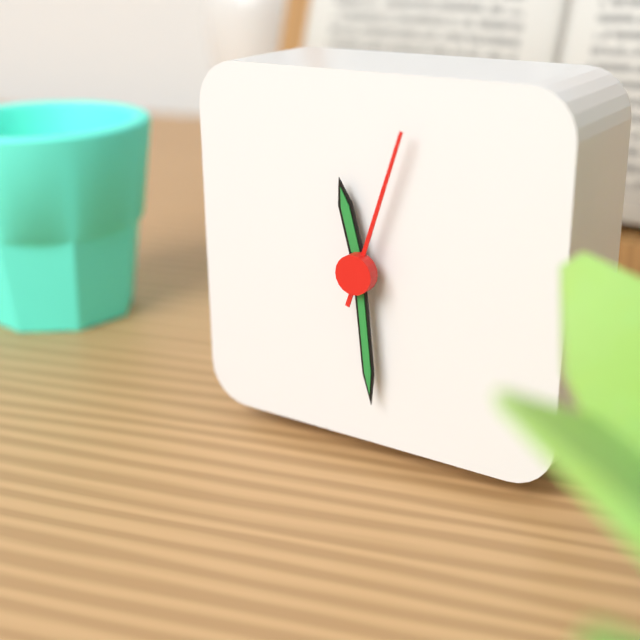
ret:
11.29.03
